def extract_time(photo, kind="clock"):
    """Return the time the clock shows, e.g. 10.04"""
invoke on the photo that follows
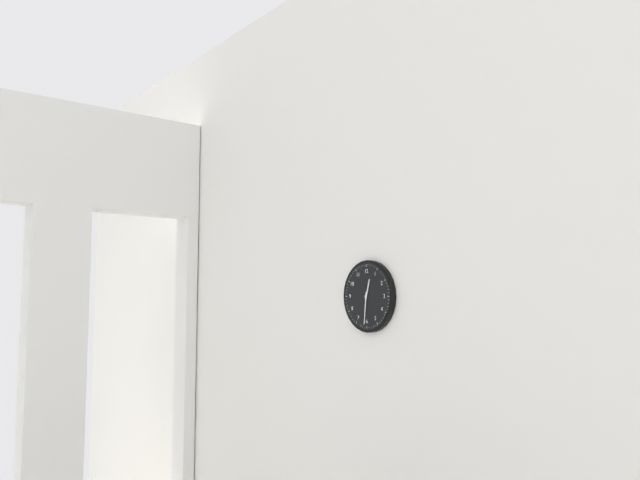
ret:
12.31
